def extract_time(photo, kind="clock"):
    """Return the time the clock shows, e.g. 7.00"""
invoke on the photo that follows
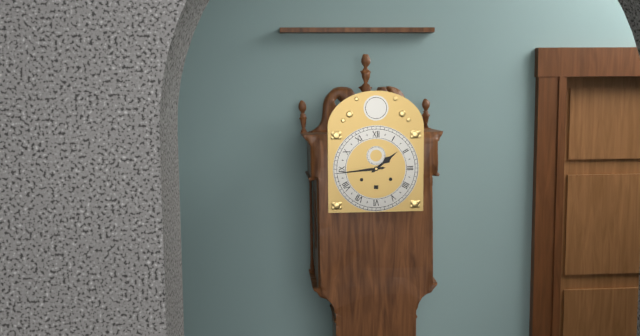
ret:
1.44
